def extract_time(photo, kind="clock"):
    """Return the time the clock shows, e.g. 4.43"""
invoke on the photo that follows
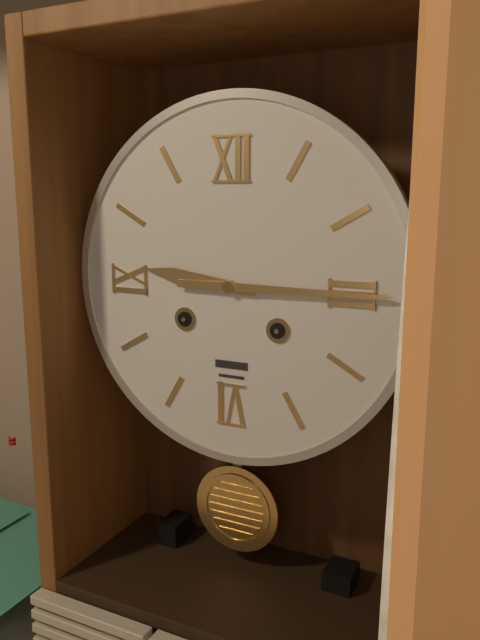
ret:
9.15
